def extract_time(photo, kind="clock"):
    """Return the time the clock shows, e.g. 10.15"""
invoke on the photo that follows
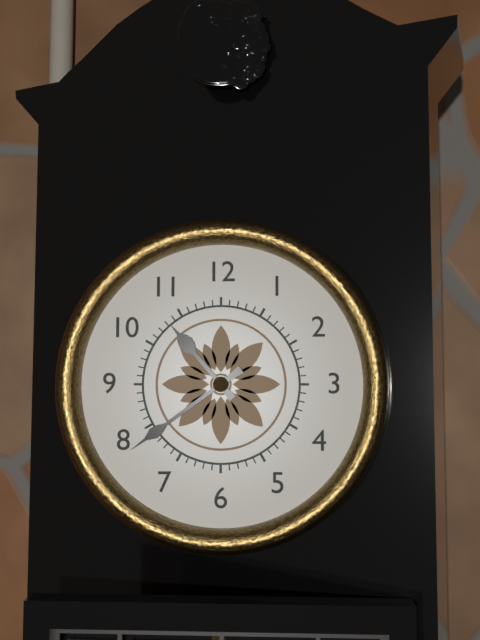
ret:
10.39
